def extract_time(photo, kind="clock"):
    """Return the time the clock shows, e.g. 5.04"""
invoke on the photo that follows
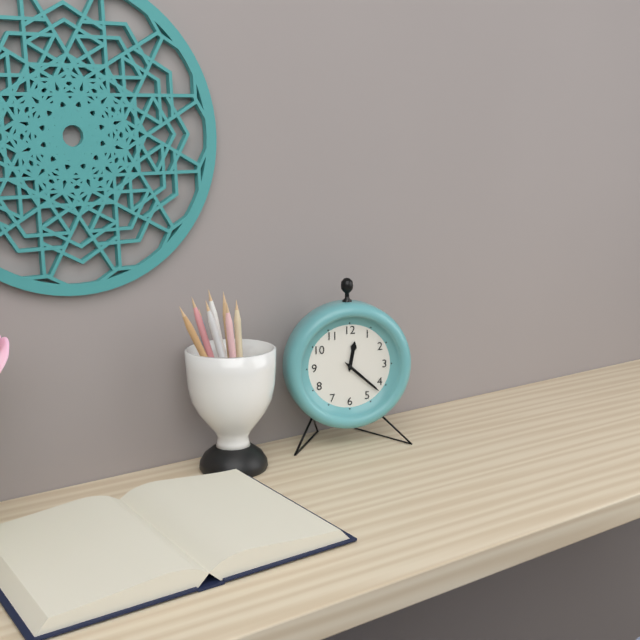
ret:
12.22
